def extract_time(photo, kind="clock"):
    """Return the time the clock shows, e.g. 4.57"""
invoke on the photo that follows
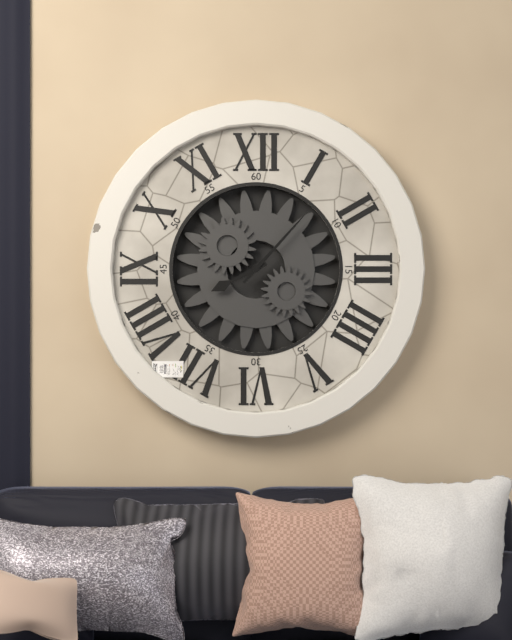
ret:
8.07
